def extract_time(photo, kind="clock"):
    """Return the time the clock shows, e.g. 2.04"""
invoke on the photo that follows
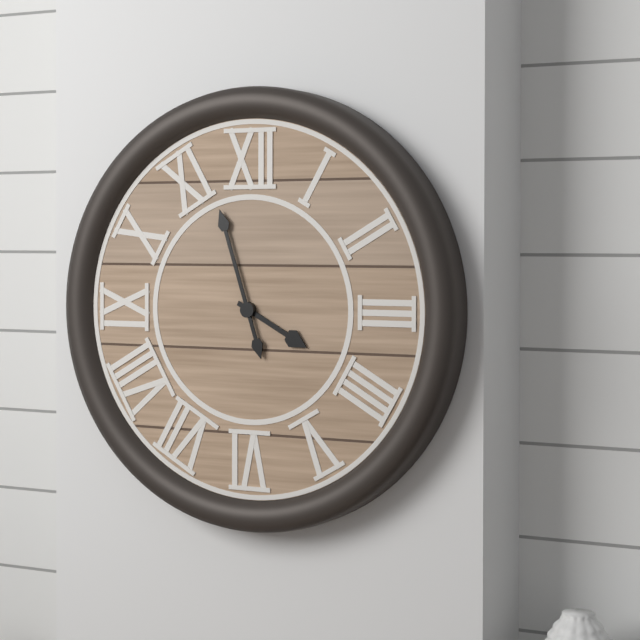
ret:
3.57
